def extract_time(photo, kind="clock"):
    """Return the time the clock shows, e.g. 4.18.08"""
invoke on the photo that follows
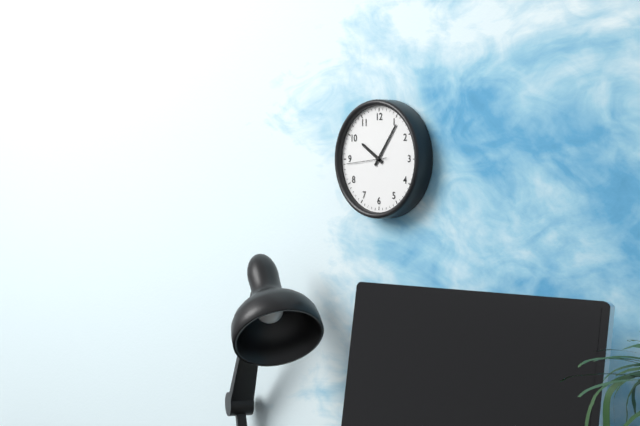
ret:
10.06.44
